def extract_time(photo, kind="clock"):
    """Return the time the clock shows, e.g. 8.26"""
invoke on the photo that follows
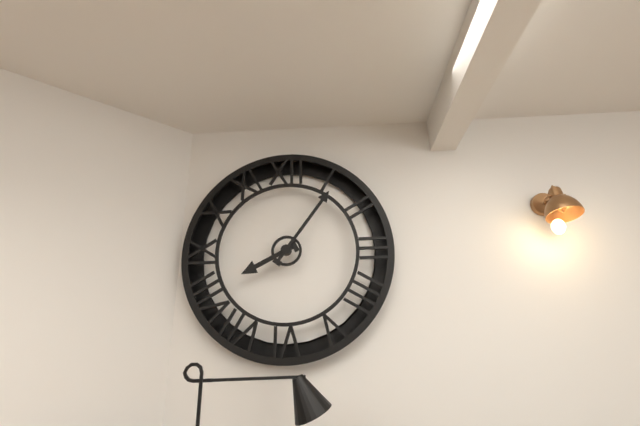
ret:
8.06
